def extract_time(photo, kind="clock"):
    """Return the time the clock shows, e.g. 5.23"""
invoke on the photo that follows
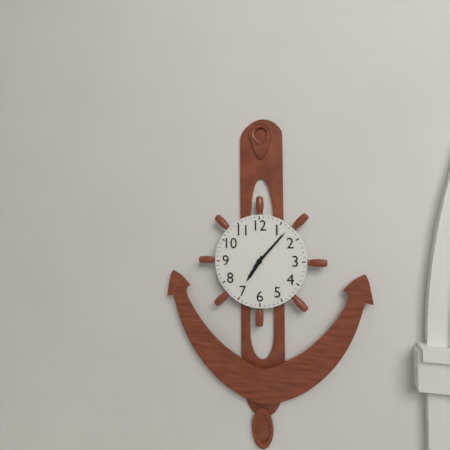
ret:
7.07
